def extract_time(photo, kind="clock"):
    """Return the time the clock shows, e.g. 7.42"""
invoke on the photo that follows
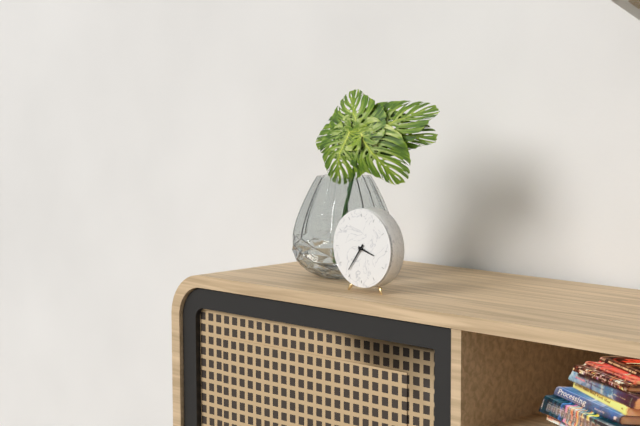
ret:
3.36
